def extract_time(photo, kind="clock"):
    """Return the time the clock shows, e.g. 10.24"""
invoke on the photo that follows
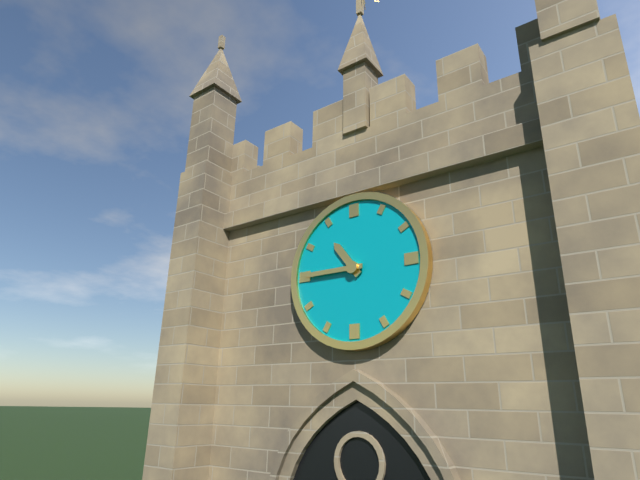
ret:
10.45
